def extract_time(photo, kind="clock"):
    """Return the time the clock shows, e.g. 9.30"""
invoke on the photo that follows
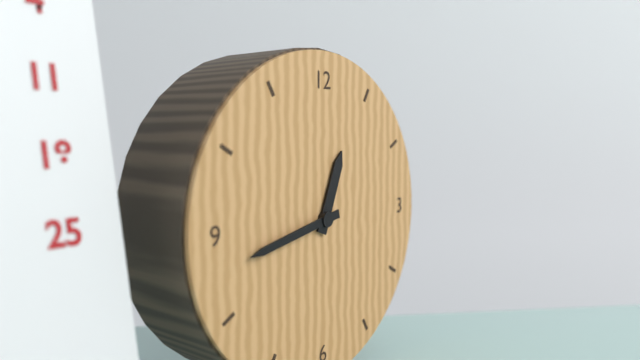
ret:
12.43
